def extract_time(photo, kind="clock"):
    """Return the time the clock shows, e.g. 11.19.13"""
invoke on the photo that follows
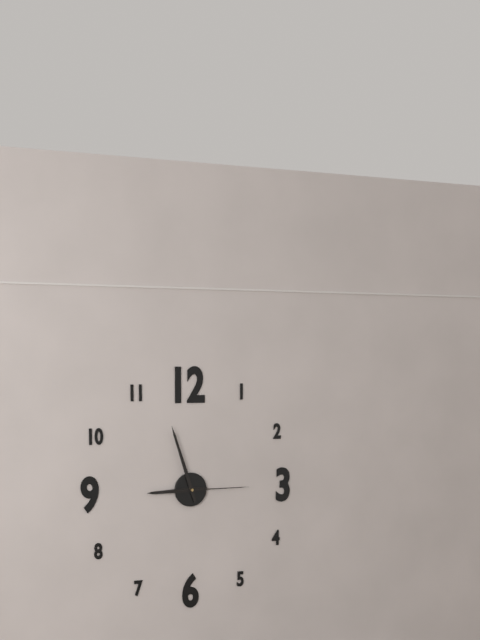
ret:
8.57.15
